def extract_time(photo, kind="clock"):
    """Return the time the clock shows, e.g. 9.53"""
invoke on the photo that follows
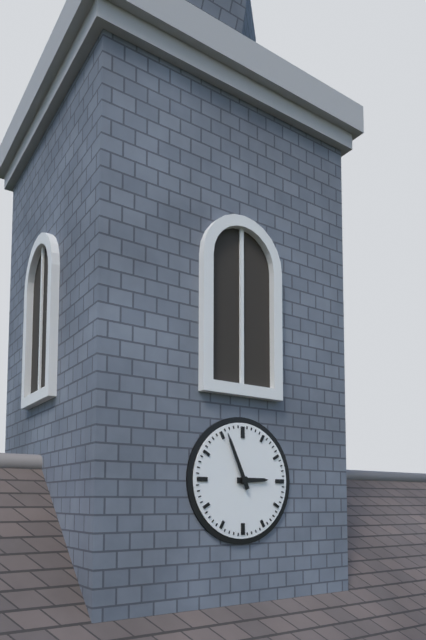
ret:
2.56
